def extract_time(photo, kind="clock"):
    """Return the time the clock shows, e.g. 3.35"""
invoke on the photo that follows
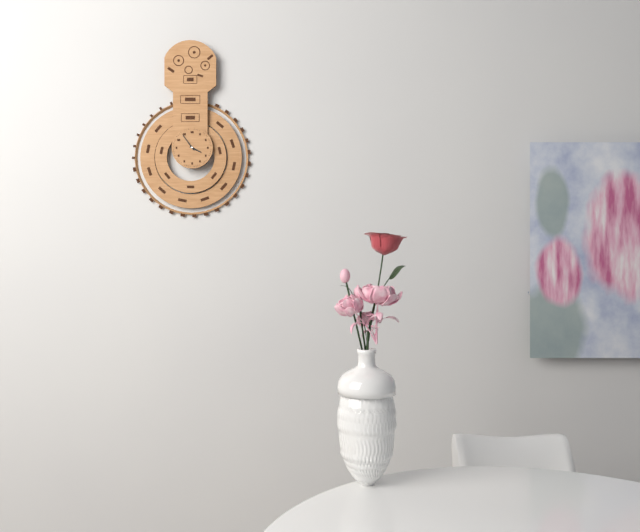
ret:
3.54
